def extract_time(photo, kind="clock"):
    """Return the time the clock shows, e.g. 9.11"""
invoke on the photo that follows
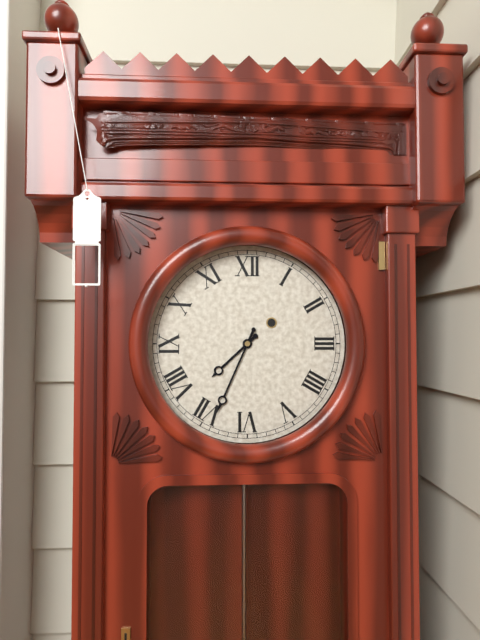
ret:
7.34
